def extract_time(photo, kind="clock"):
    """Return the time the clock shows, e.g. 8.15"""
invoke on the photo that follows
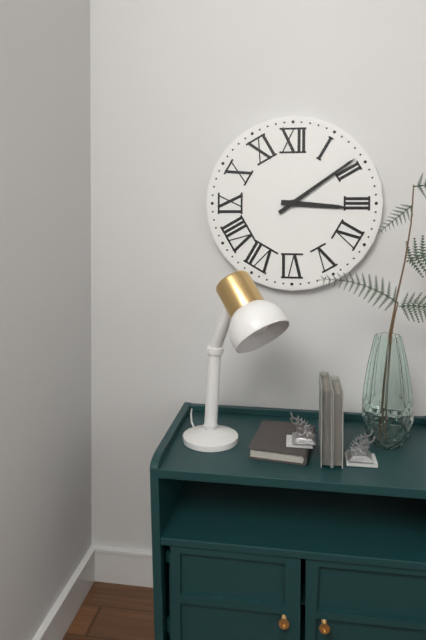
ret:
3.09
